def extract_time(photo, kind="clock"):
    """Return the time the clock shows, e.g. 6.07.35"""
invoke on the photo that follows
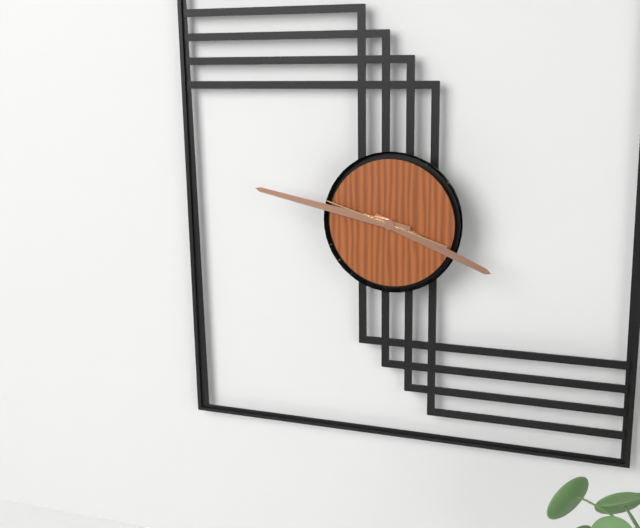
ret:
3.47.48
